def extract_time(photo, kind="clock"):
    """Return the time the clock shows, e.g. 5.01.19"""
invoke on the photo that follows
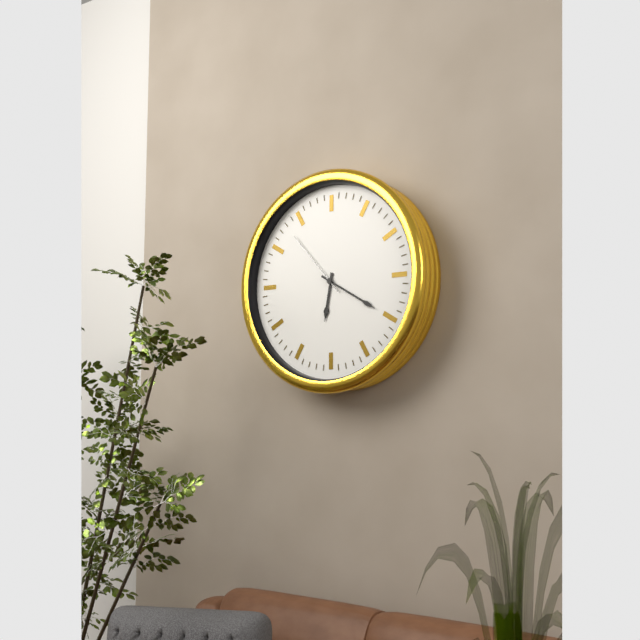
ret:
6.20.53
